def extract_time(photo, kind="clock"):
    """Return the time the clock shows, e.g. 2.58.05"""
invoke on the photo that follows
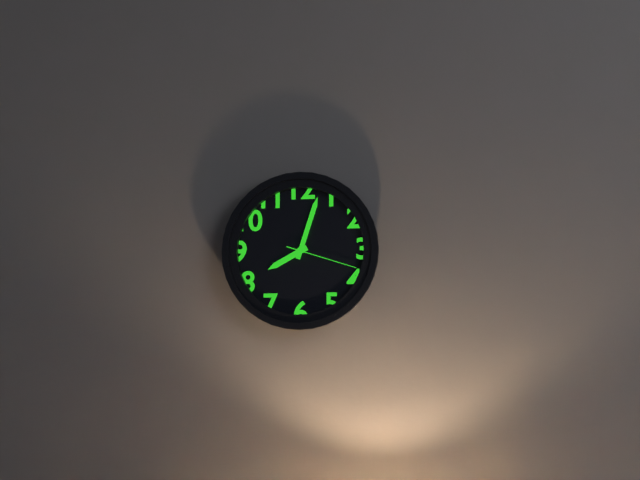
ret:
8.03.18
